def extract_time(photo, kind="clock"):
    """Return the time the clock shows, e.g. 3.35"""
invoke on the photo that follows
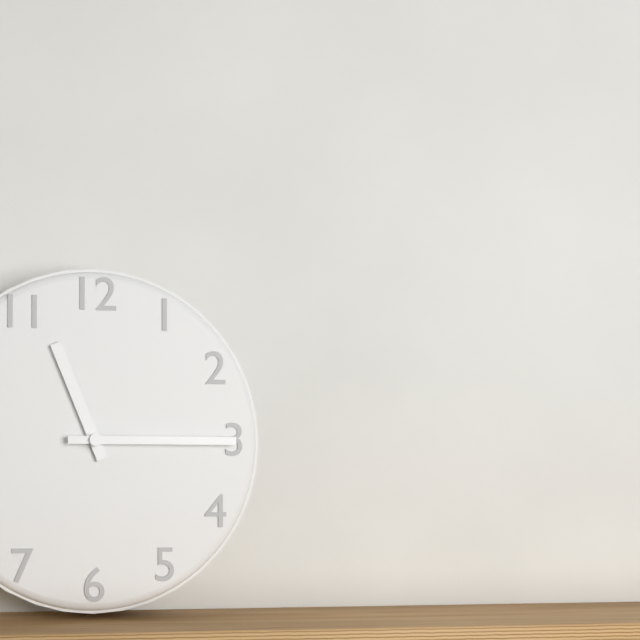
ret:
11.15
